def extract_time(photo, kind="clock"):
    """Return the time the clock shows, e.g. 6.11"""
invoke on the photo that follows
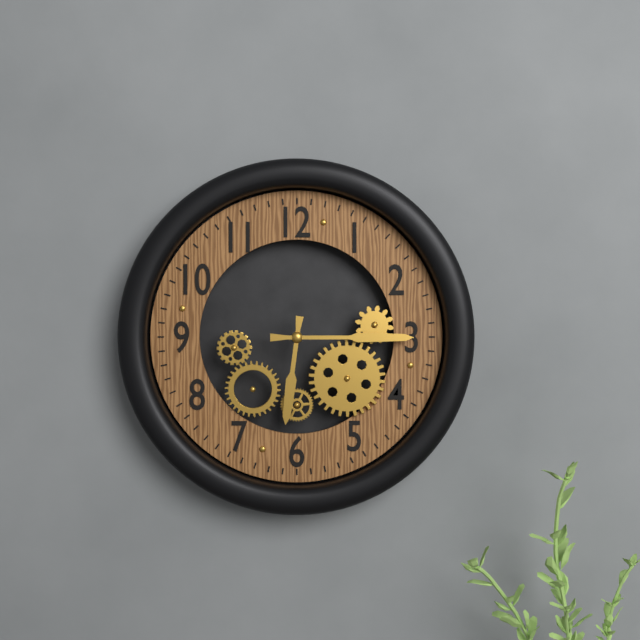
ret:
6.15
